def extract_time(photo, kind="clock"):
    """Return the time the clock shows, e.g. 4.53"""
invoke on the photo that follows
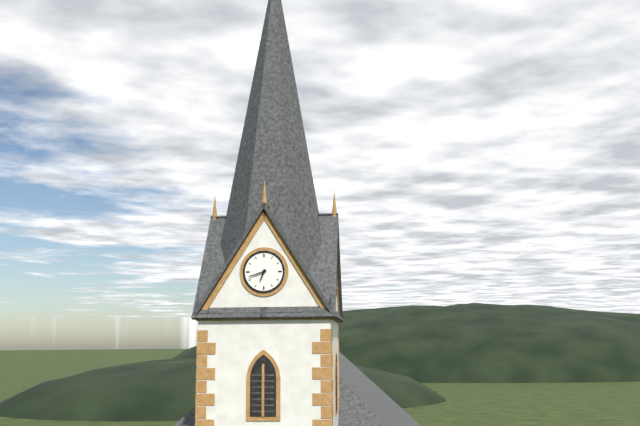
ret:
6.42
